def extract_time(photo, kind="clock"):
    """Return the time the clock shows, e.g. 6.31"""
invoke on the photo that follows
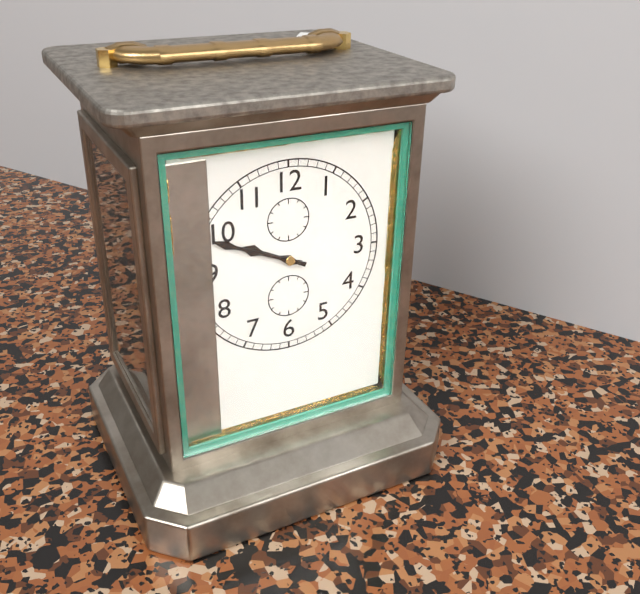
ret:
9.49
